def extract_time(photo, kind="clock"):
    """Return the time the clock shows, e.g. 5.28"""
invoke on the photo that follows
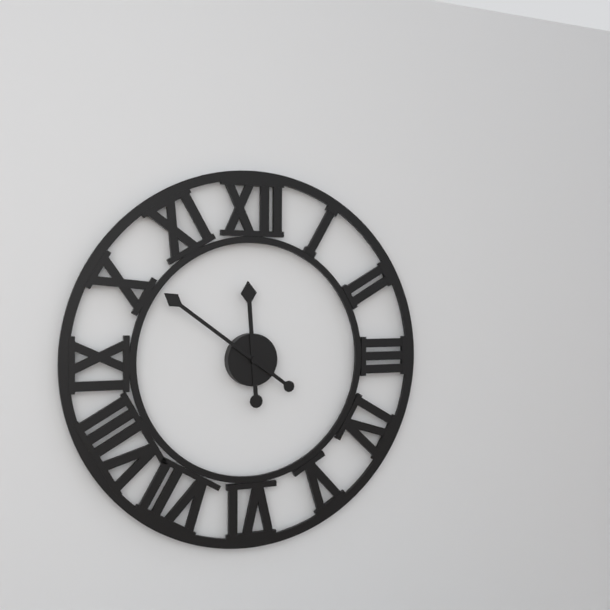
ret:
11.51
